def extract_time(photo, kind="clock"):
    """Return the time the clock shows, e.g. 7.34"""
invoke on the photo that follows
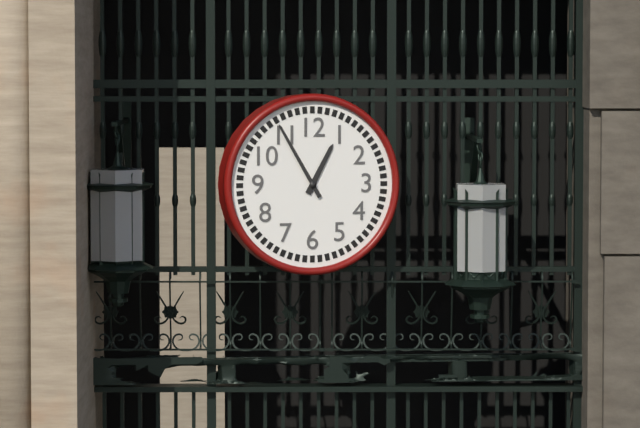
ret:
12.55
